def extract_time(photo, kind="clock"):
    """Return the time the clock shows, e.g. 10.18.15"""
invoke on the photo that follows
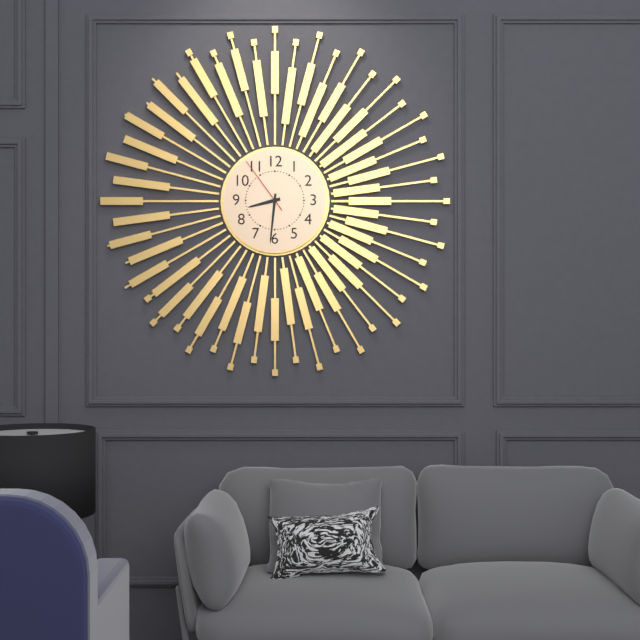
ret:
8.31.54
